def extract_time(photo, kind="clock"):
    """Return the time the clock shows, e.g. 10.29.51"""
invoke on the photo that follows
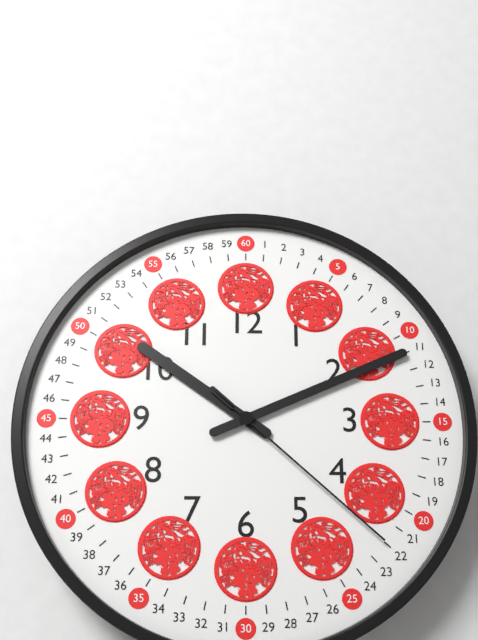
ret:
10.11.22
